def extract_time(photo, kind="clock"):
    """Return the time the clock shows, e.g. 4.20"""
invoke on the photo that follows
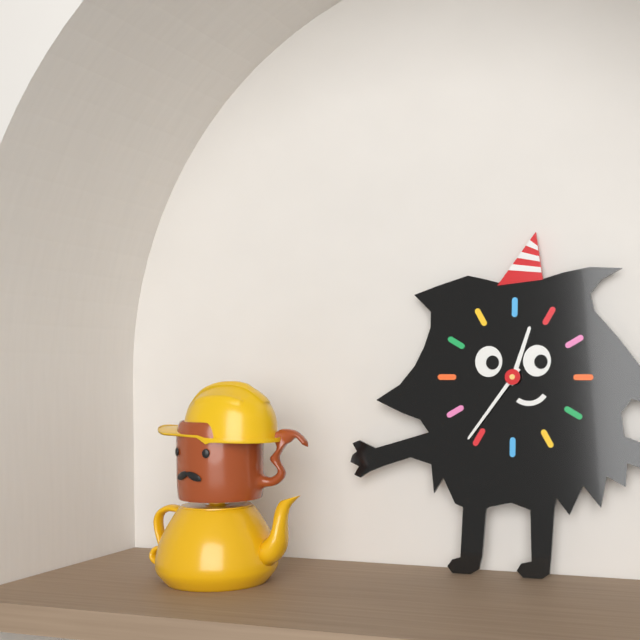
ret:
12.36
